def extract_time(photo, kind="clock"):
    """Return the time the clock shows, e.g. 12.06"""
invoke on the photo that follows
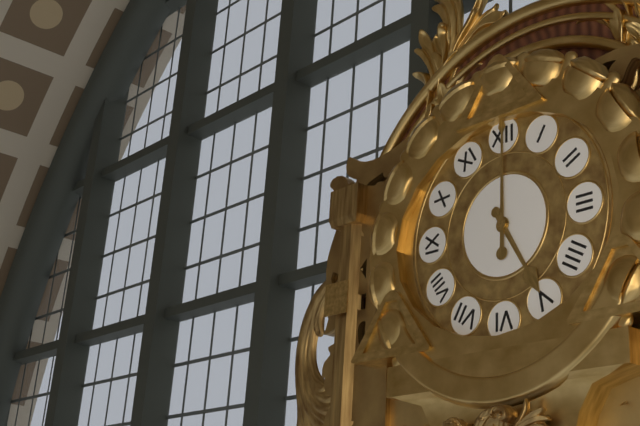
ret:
5.00
